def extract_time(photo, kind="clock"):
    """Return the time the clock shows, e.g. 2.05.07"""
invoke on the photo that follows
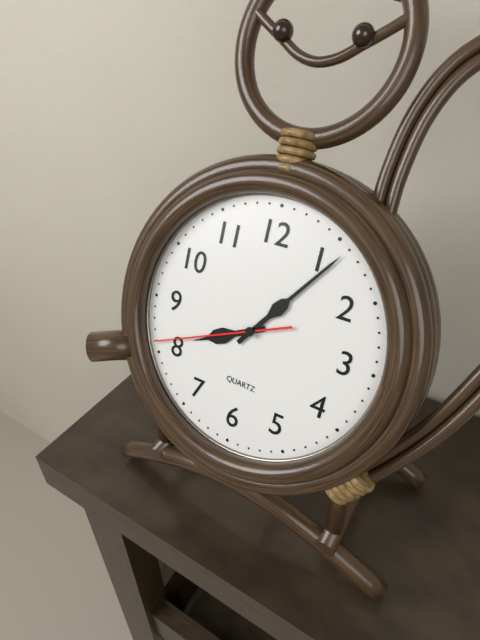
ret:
8.06.41
